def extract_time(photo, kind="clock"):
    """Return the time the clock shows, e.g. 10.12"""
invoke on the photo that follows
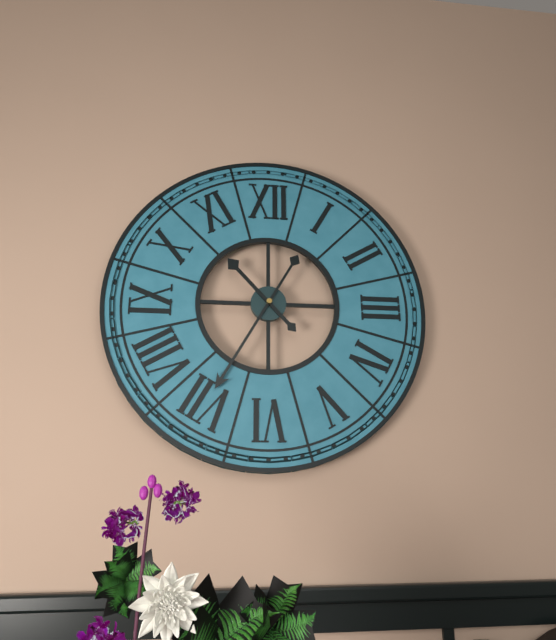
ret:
10.35
